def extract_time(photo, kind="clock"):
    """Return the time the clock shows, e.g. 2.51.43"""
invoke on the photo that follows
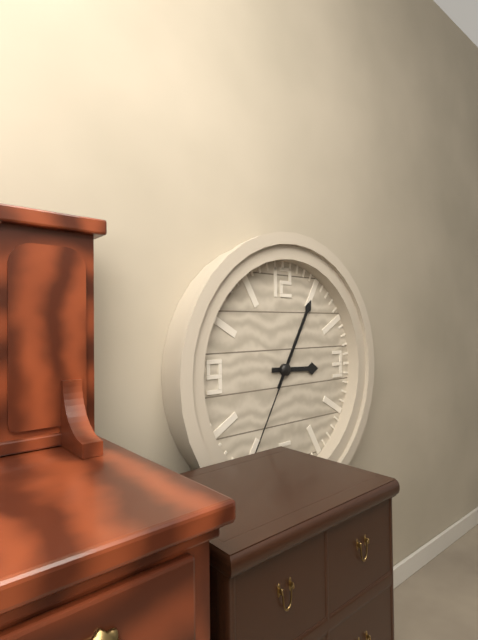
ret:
3.05.35
